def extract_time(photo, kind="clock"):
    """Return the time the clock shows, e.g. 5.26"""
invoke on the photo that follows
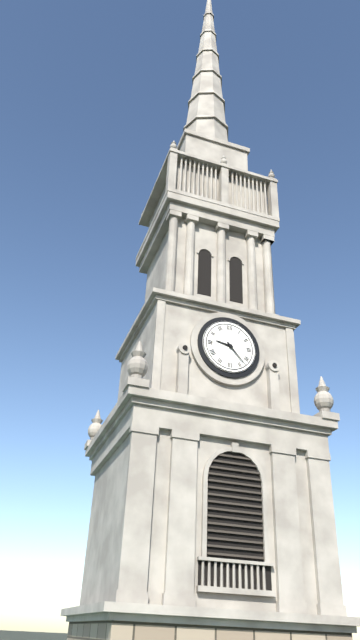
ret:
9.23
